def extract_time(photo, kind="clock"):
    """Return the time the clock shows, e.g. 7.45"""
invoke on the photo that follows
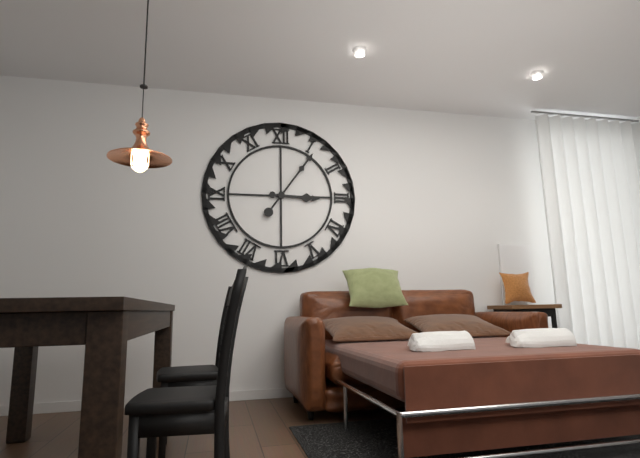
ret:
3.06
